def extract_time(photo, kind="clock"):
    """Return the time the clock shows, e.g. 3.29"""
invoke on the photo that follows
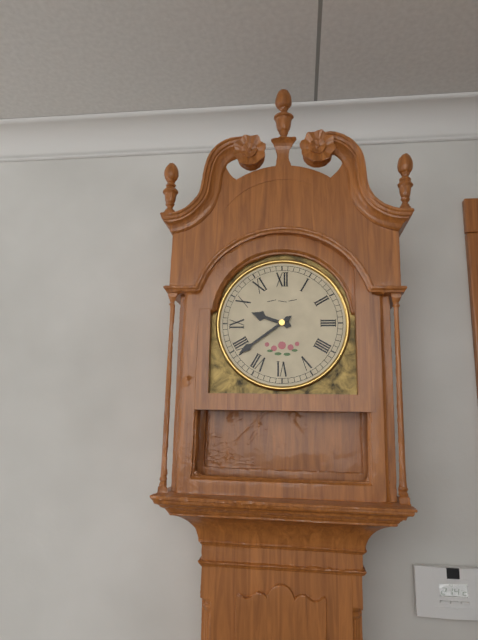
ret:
9.39
